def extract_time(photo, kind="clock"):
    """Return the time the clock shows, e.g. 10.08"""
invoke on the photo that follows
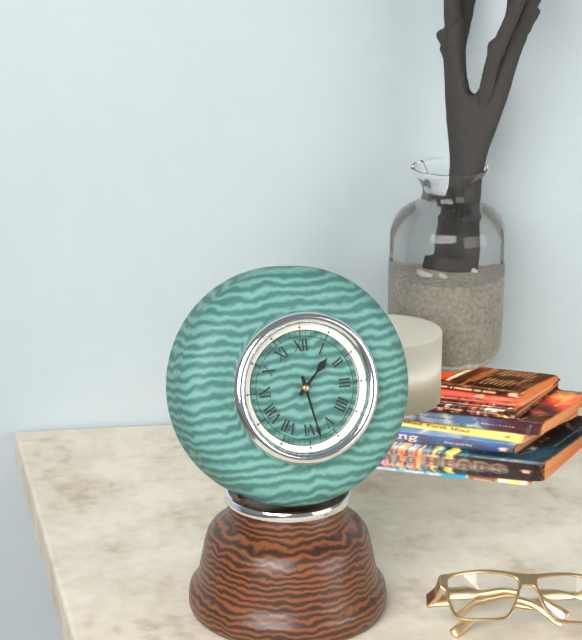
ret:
1.28
